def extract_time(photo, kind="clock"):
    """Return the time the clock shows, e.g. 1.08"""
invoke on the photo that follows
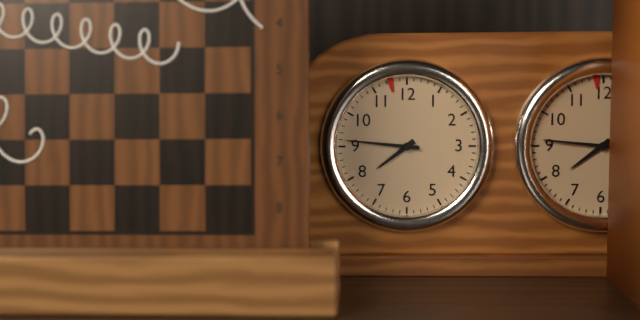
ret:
7.46
